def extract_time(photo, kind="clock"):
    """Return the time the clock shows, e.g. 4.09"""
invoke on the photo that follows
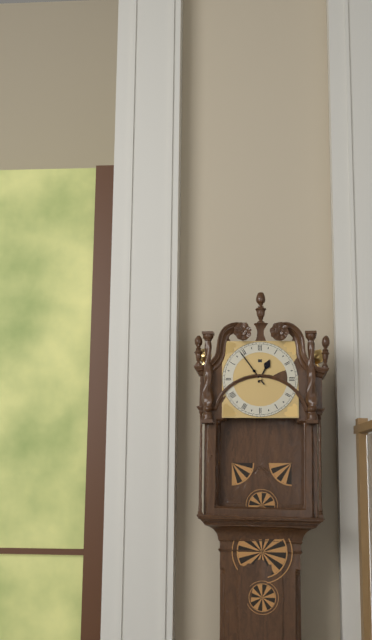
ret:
12.54
